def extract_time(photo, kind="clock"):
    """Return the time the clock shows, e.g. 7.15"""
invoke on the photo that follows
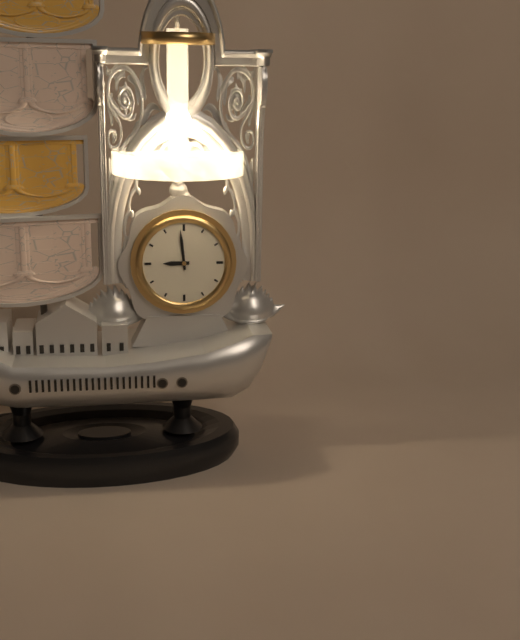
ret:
8.59
